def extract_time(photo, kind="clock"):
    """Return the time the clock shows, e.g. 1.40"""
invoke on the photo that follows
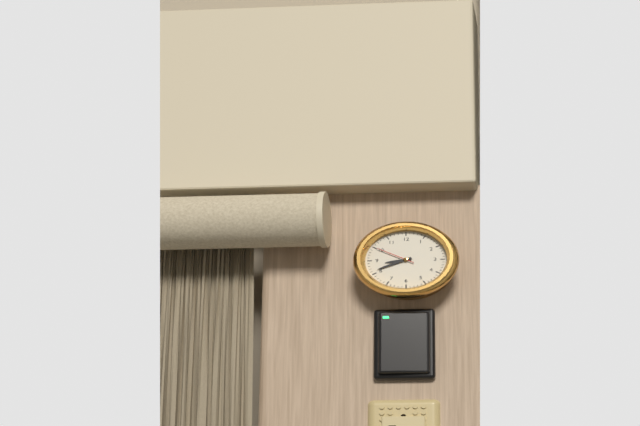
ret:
8.41
